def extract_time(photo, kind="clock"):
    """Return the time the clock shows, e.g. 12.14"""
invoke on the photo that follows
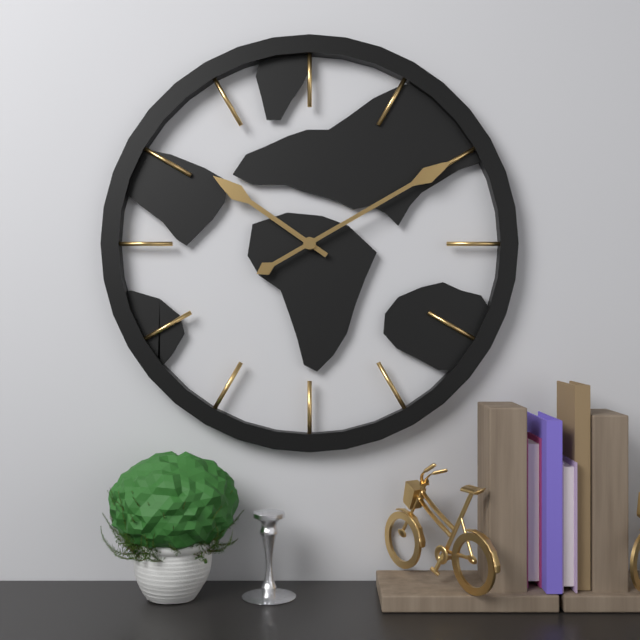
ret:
10.10
